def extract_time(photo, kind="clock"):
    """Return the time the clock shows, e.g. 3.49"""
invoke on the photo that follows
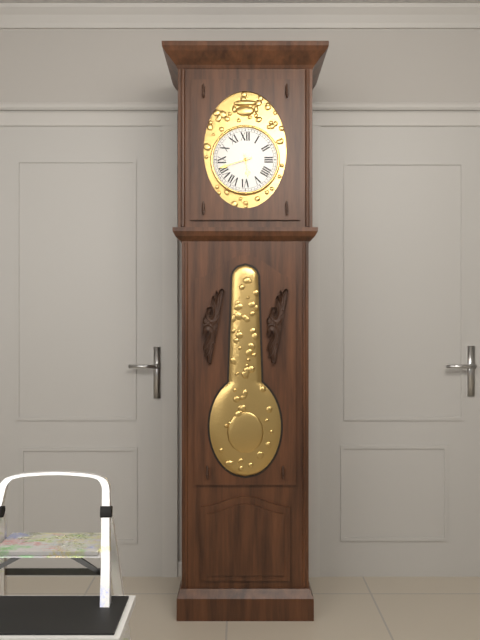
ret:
5.42
